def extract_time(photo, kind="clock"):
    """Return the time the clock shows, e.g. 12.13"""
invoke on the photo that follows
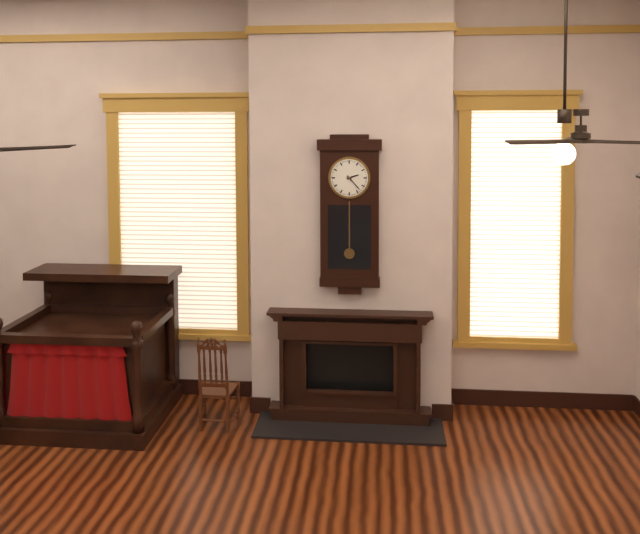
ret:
2.23
